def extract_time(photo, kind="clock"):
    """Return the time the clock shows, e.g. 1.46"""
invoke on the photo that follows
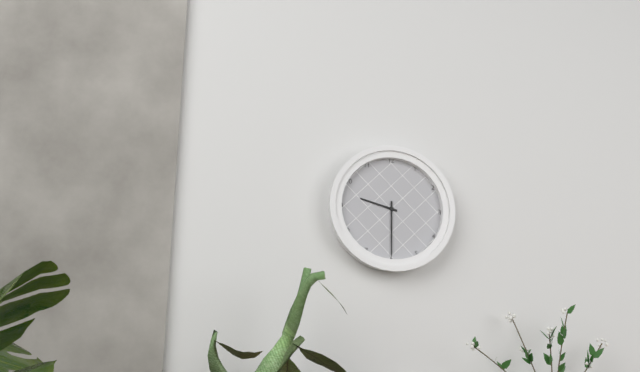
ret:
9.30
